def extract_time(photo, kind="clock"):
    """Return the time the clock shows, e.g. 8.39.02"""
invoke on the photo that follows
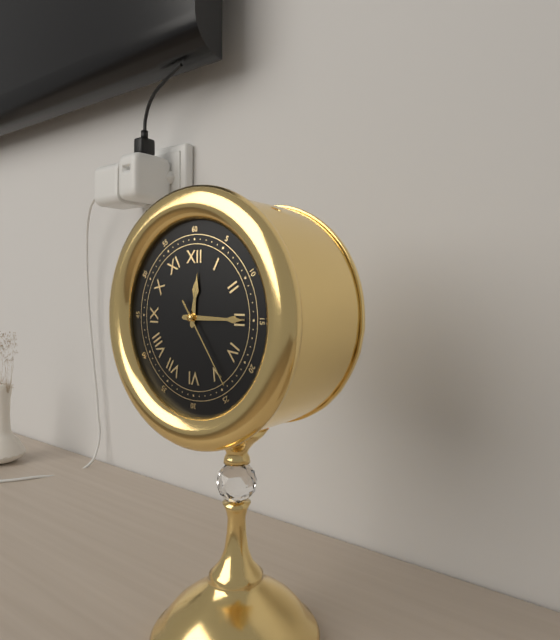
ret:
12.15.24
